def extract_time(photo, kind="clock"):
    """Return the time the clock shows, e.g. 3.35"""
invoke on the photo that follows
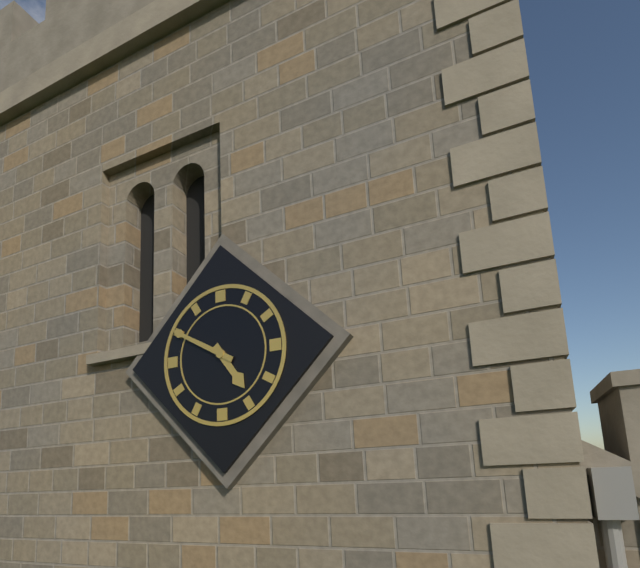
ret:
4.50
